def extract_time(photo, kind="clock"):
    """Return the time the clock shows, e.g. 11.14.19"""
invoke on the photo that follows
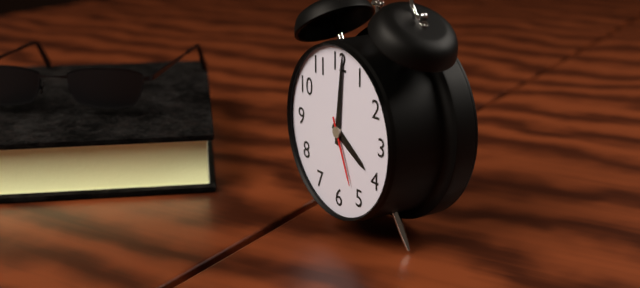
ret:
4.01.26
